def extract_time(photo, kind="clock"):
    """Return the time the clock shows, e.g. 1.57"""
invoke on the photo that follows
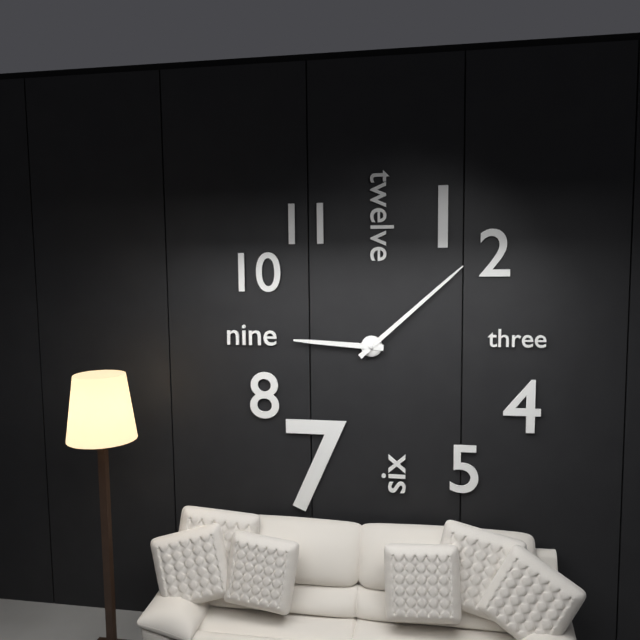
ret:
9.08
